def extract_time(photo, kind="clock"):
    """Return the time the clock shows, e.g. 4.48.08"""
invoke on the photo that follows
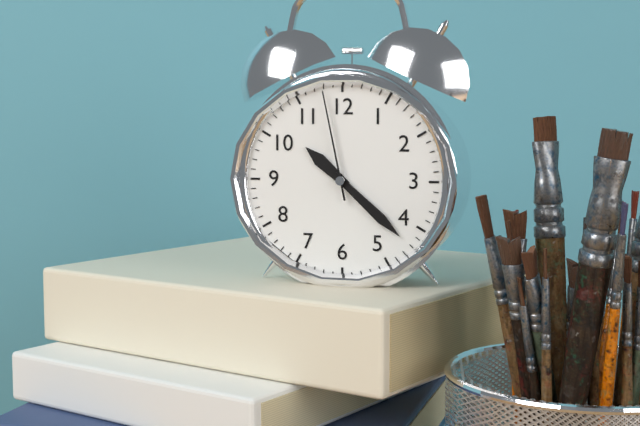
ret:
10.22.58
